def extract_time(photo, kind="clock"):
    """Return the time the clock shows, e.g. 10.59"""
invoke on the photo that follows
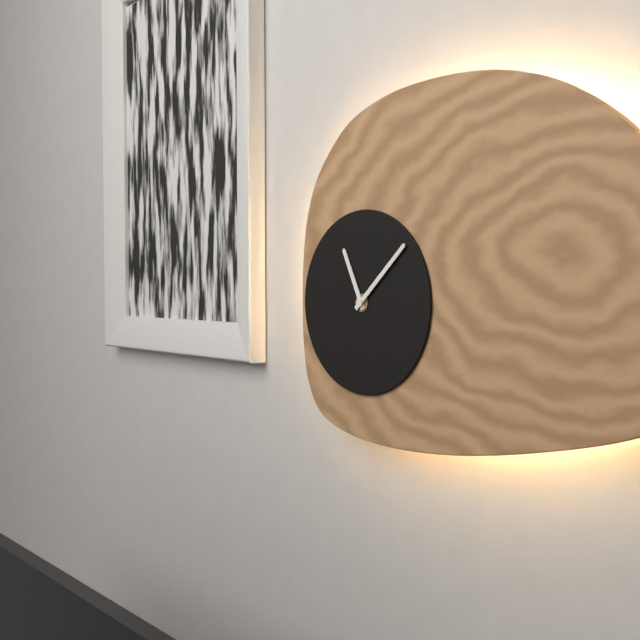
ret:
11.08
